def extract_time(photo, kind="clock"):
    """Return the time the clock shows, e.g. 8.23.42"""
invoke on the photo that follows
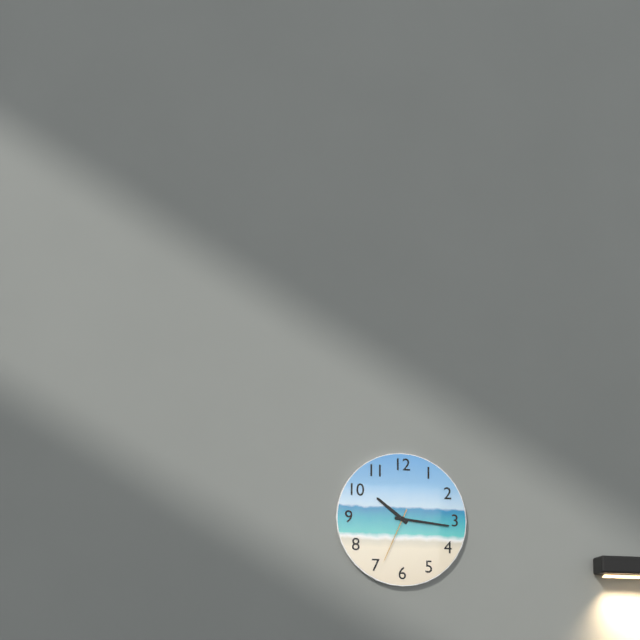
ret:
10.16.34
